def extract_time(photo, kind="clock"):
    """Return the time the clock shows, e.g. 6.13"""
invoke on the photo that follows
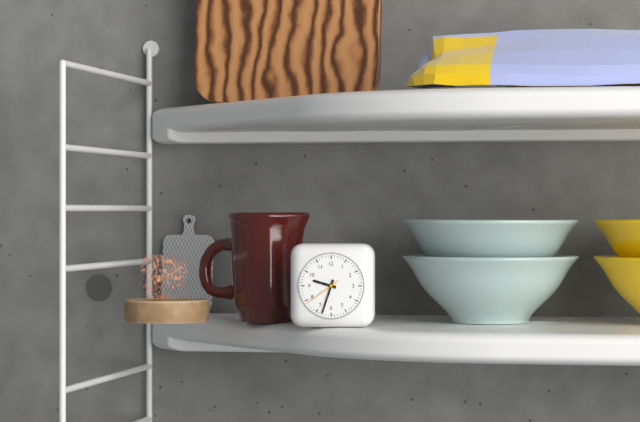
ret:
9.33
